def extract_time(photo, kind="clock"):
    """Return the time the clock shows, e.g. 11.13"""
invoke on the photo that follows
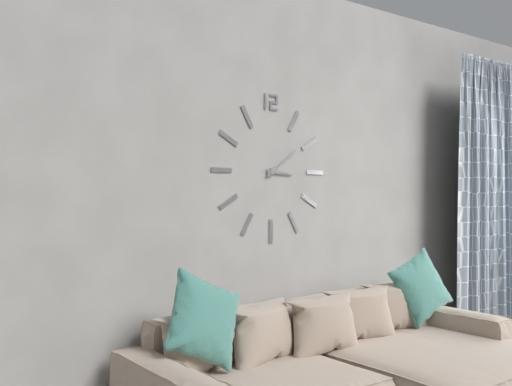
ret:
3.09
